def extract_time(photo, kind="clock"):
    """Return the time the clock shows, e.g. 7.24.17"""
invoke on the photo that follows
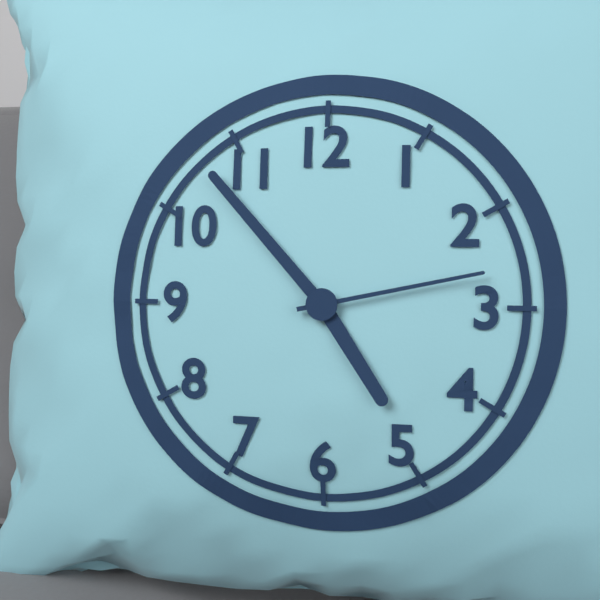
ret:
4.53.13
